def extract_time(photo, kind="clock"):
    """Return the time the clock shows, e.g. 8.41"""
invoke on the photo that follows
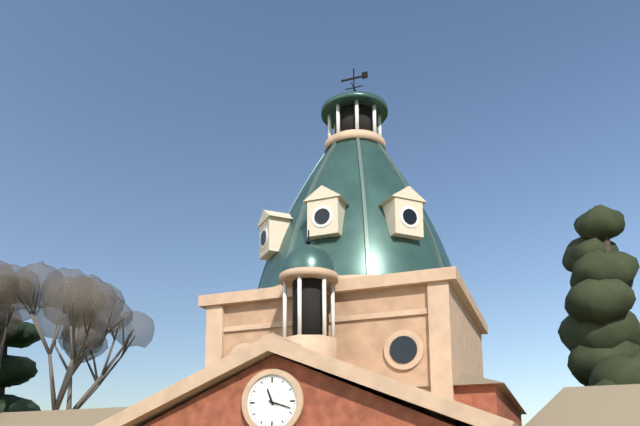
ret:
11.18
